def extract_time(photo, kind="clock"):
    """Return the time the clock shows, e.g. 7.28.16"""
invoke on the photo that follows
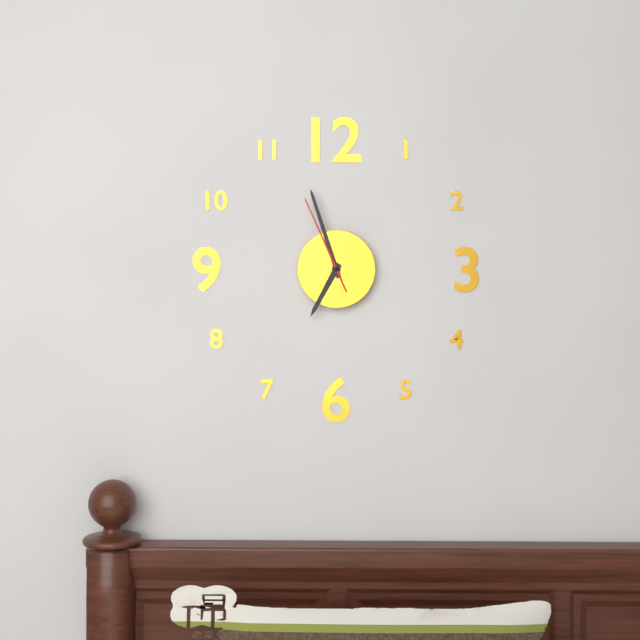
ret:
6.57.56
